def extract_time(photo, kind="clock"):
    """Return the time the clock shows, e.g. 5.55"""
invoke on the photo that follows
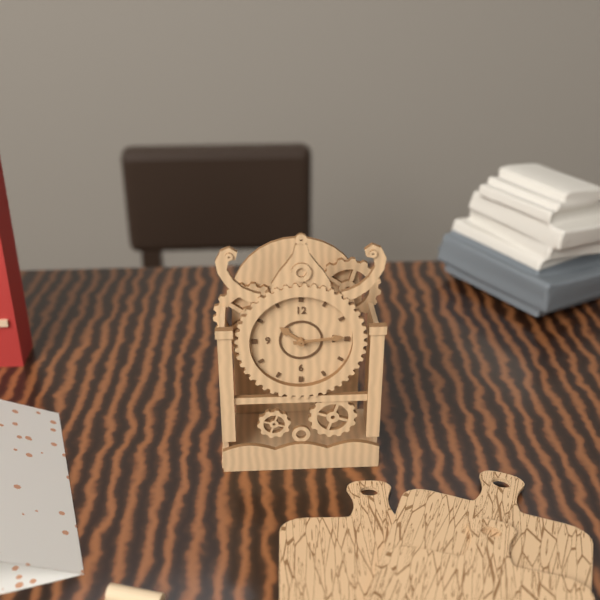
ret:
10.14
